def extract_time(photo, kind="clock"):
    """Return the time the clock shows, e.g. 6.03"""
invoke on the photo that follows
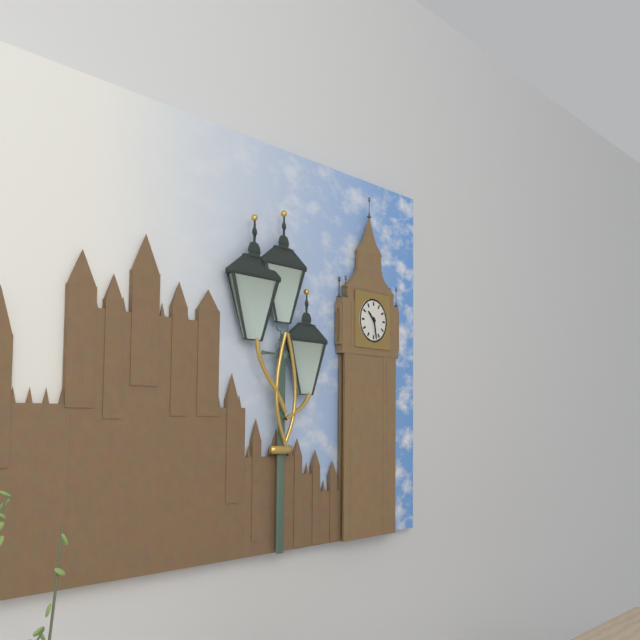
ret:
10.28
